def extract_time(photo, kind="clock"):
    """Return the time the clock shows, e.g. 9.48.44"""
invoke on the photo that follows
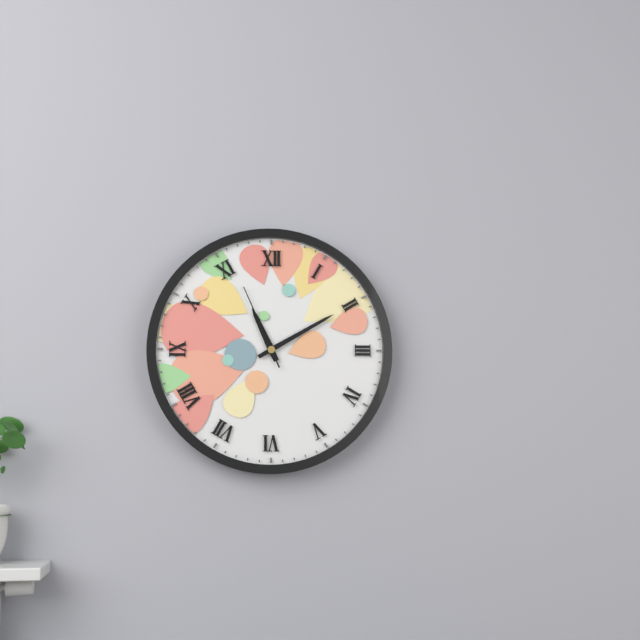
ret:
11.10.56
